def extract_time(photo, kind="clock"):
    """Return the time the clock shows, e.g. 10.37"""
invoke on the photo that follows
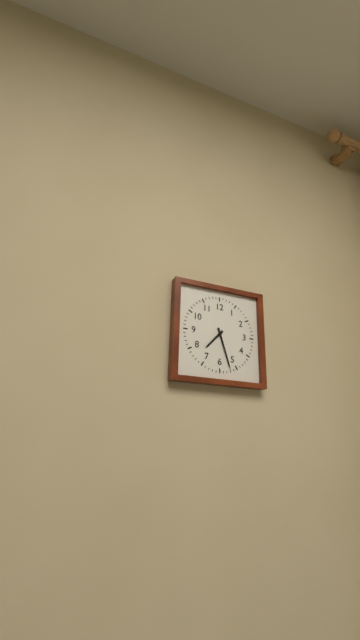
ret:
7.27
